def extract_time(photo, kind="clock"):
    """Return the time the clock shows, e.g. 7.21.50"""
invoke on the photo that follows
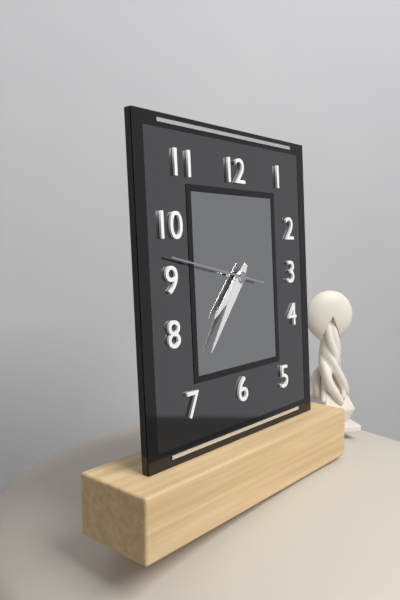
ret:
7.36.47
